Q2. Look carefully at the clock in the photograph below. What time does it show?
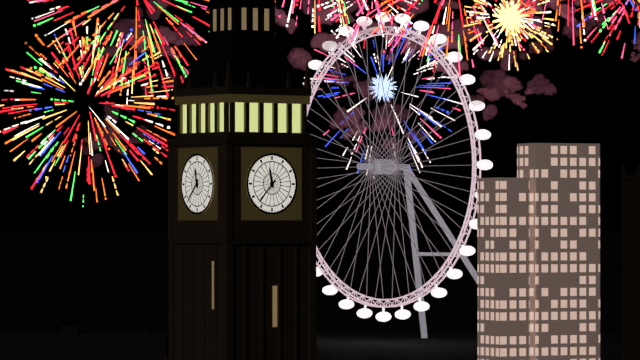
11:37
